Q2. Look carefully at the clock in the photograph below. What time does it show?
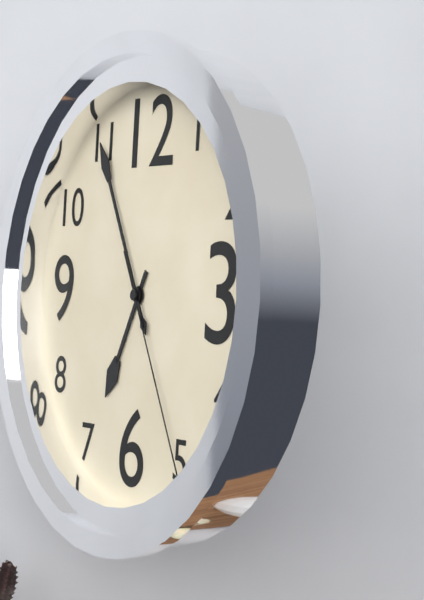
6:55:25
